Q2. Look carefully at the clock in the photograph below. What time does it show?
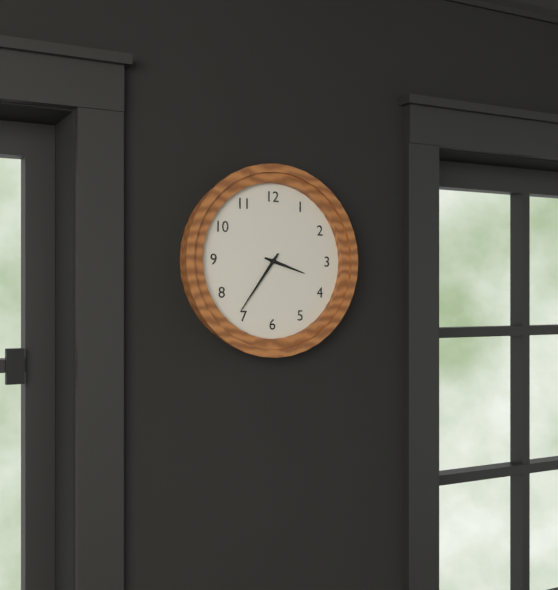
3:36
